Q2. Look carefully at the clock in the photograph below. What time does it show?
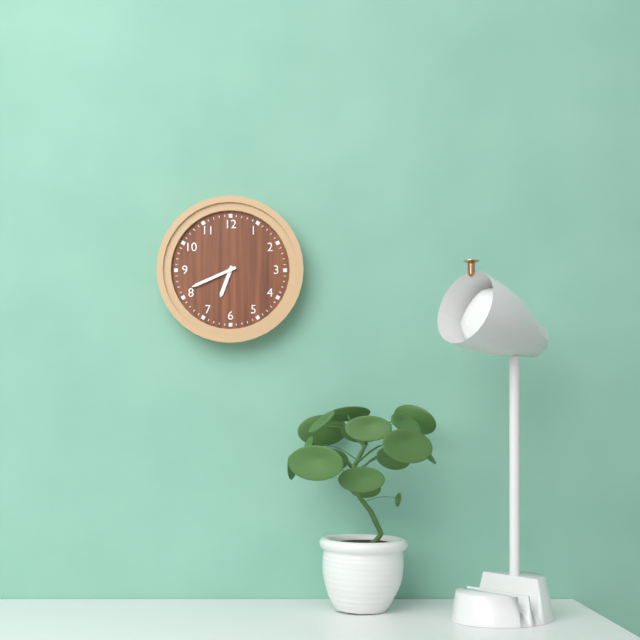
6:41
